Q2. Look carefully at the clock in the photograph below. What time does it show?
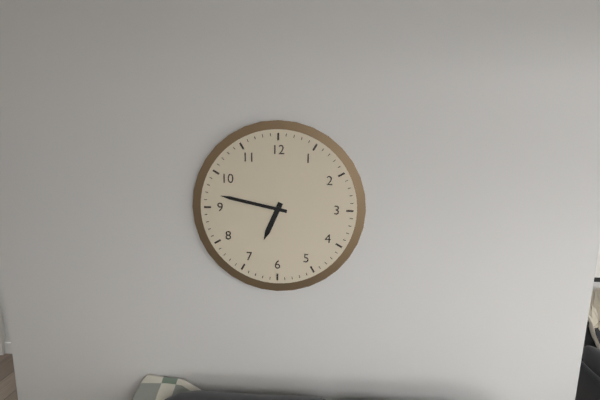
6:47
